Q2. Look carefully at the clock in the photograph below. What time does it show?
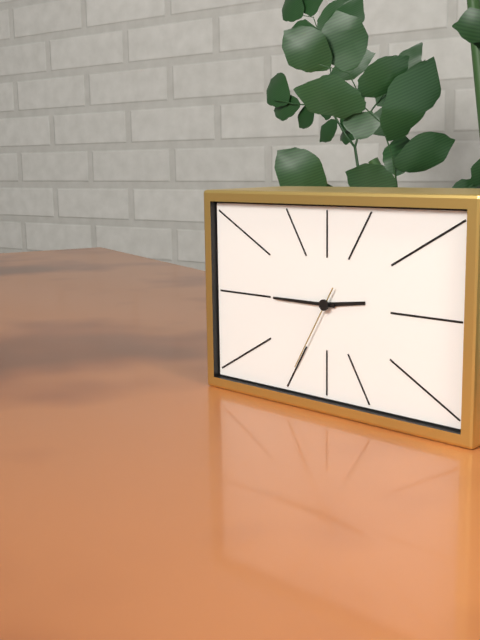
2:45:35
